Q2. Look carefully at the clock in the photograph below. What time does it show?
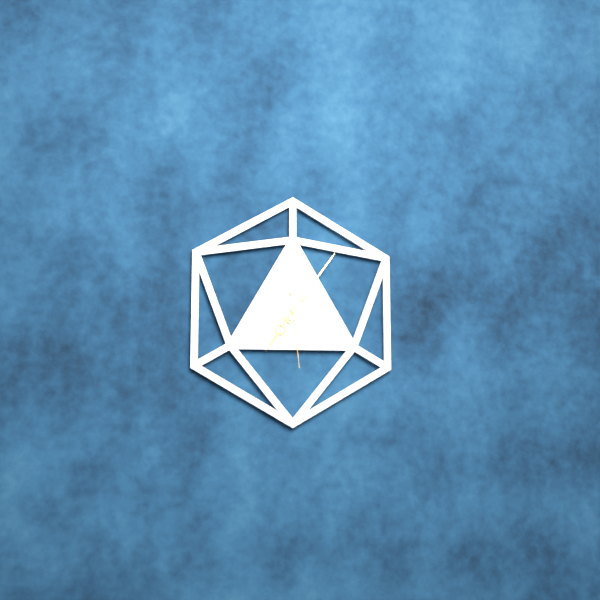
7:06:29
